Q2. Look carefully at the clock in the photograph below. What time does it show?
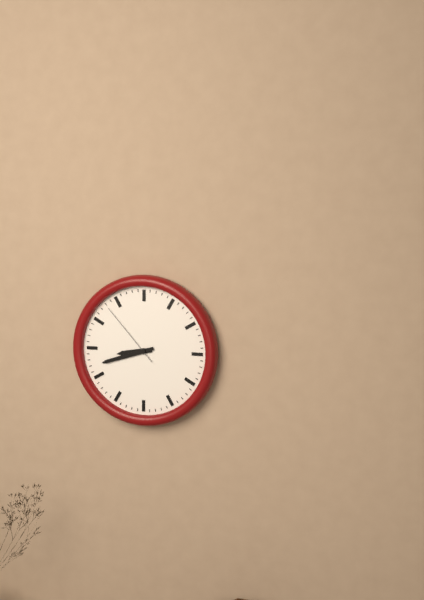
8:42:53
